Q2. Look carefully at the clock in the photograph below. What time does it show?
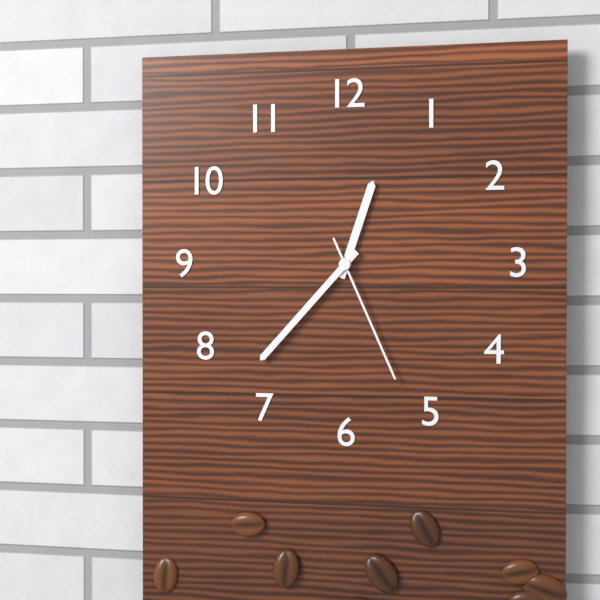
12:37:26
